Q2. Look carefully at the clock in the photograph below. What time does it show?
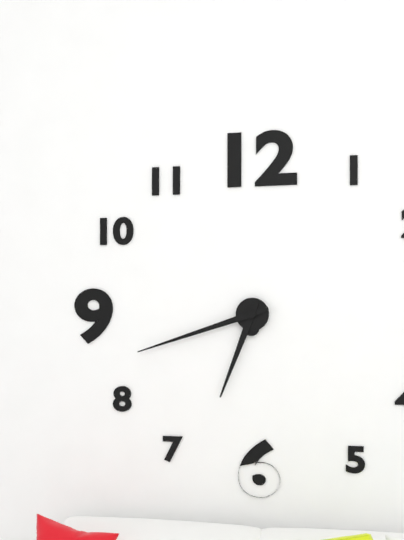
6:42
